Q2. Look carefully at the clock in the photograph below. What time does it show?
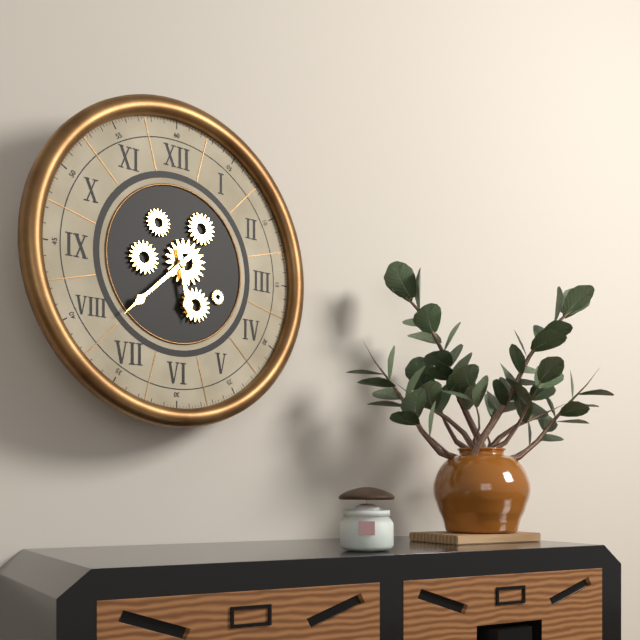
5:38
